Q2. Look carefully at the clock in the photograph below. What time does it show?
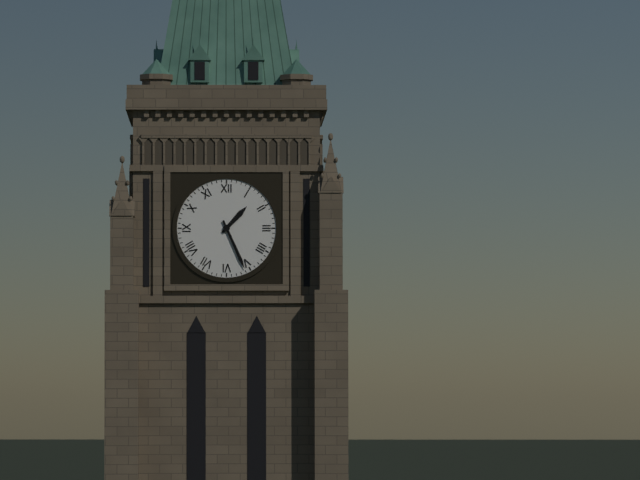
1:26
